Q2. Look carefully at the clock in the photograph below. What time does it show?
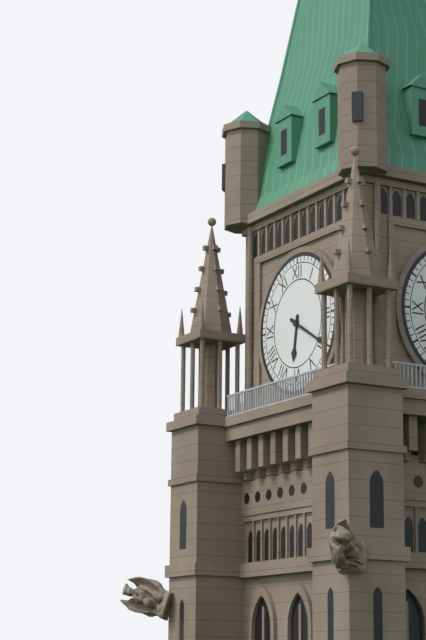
6:20
